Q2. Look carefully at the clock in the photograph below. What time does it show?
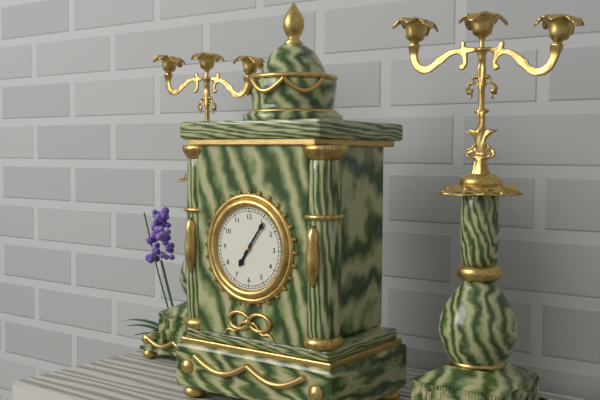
7:06
